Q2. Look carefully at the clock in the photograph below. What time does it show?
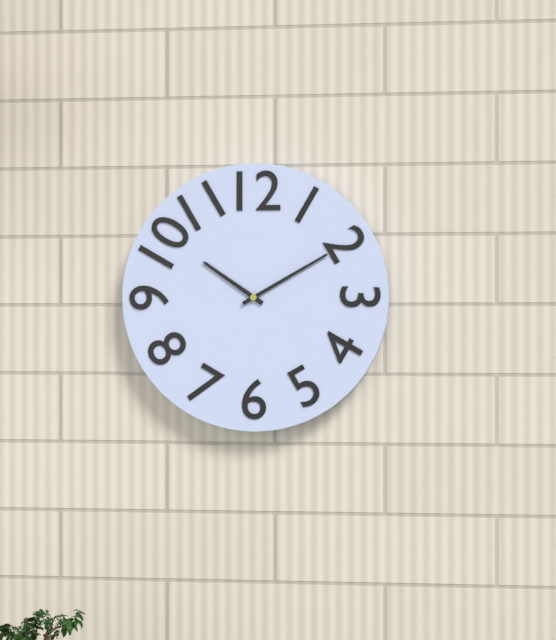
10:10
